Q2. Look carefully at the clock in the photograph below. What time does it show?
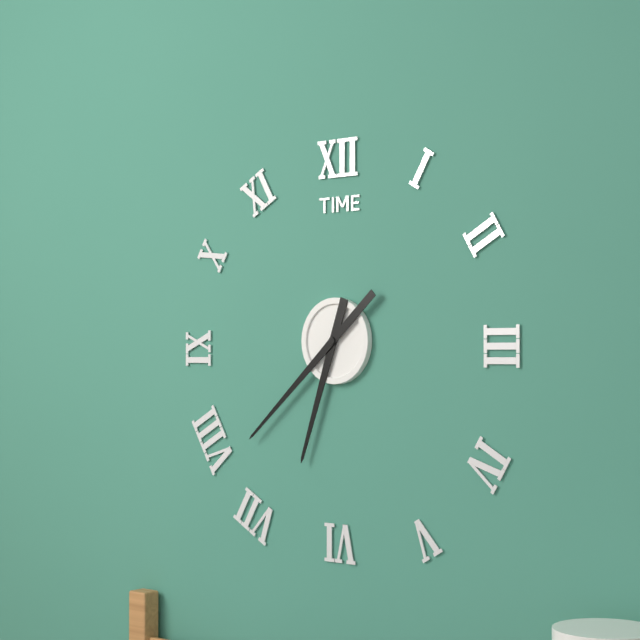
6:38
